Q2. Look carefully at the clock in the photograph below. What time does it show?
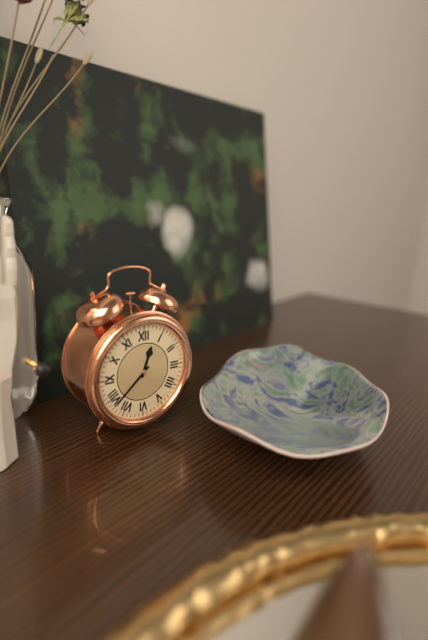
12:38
